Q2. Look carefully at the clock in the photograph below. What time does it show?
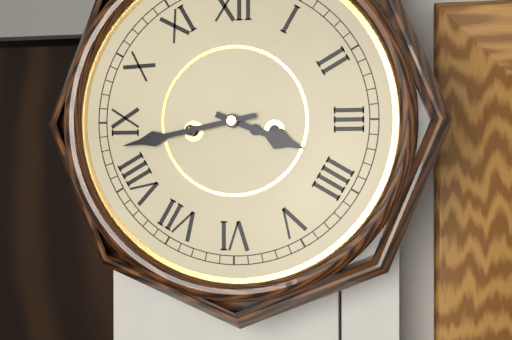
3:43
